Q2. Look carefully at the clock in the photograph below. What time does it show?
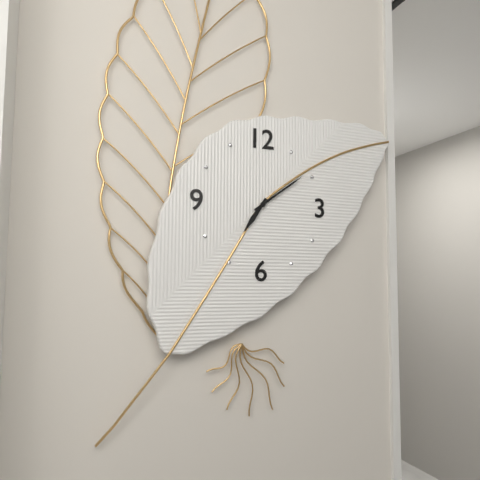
7:09
